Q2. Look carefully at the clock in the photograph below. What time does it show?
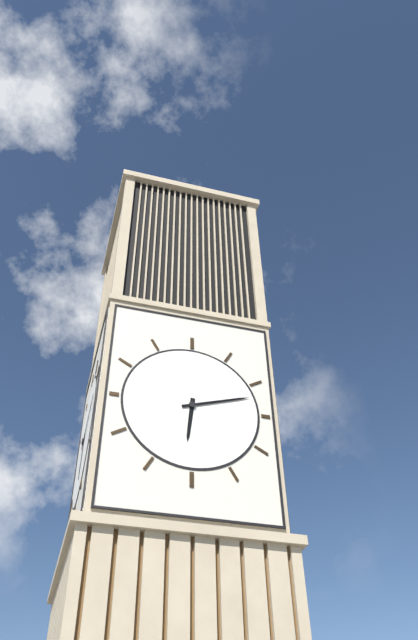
6:12
